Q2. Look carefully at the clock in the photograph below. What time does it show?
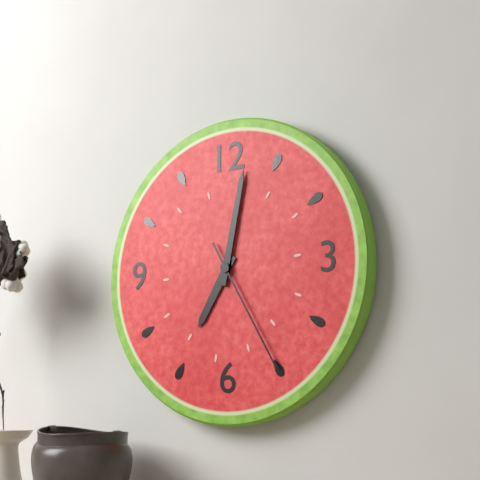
7:02:25
